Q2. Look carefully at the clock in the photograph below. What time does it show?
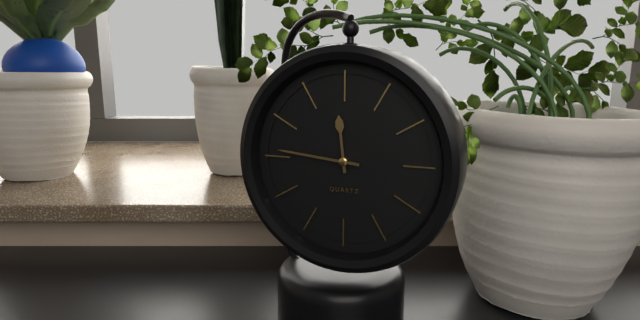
11:46
